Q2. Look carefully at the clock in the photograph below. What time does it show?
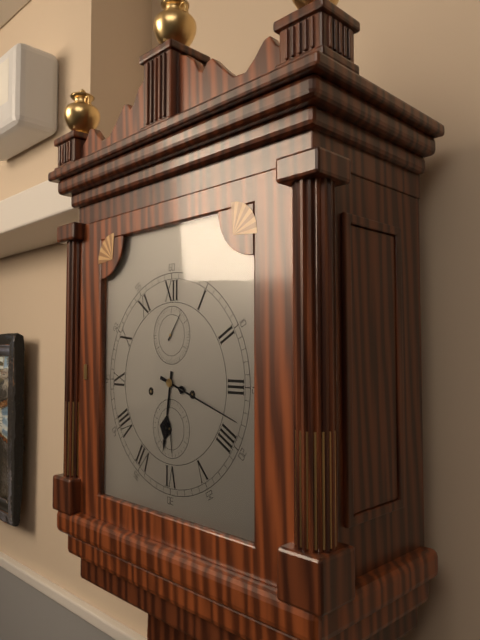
6:18
